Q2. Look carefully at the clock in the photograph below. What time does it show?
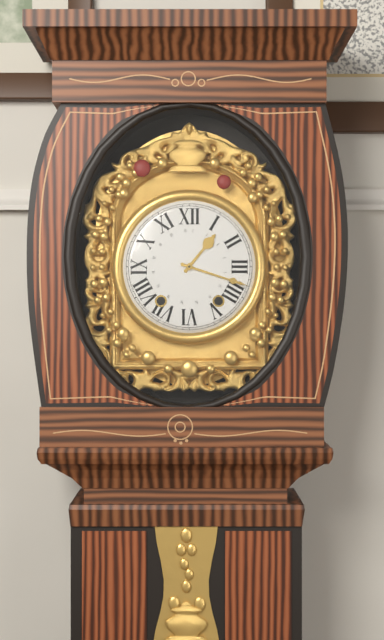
1:18
